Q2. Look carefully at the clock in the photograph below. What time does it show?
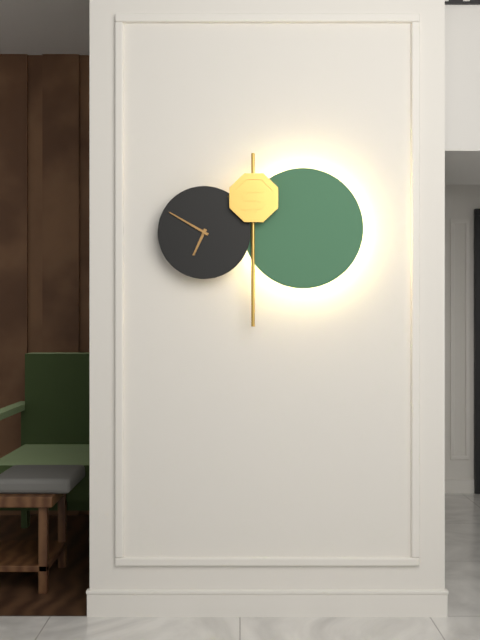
6:50
